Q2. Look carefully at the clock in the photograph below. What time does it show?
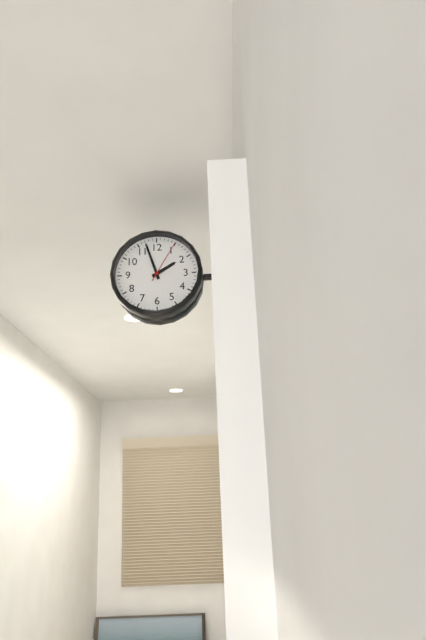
1:57
